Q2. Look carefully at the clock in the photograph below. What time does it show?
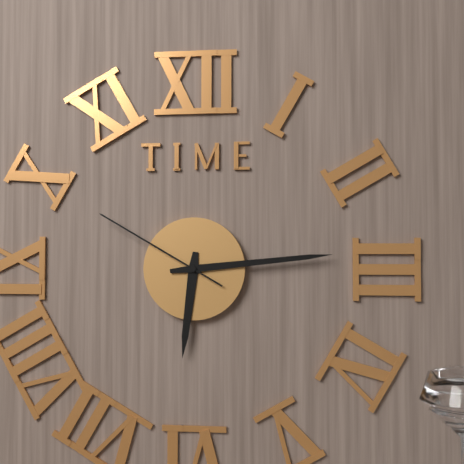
6:14:50
